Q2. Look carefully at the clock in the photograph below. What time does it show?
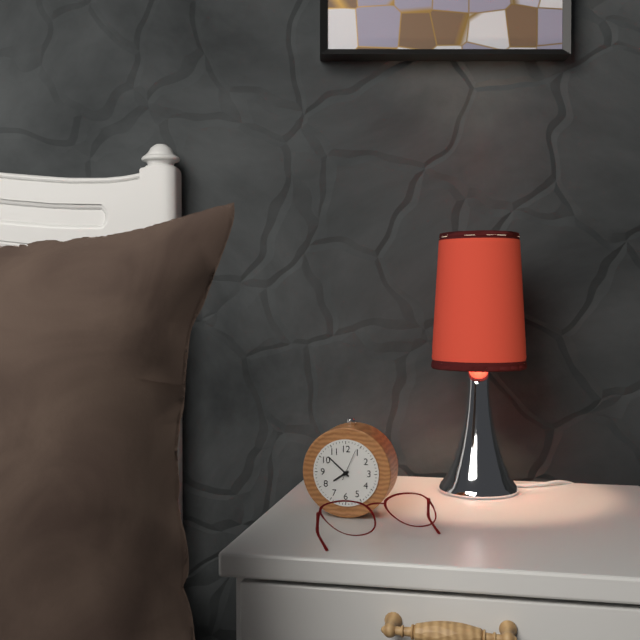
7:52
